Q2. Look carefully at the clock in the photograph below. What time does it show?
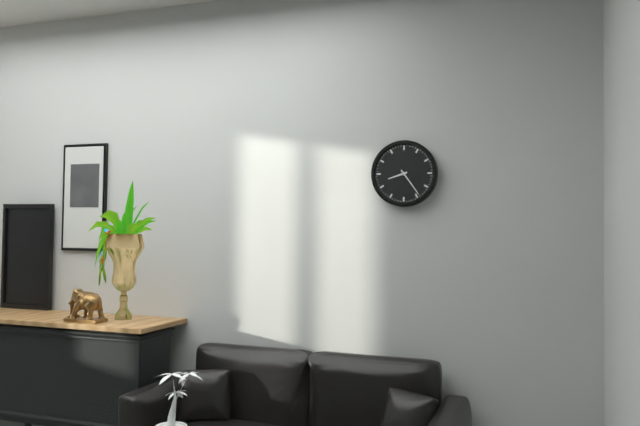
8:24
